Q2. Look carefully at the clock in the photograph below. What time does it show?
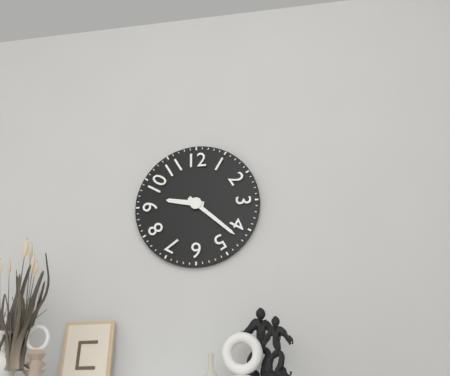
9:22
